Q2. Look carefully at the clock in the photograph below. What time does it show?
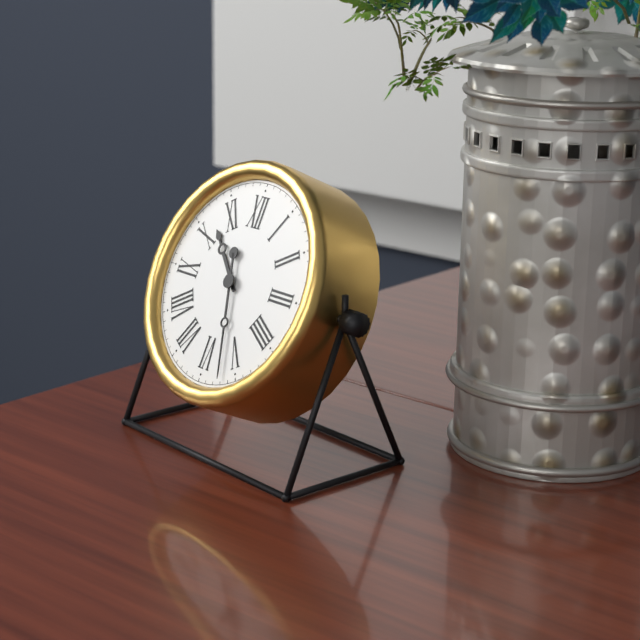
10:27
